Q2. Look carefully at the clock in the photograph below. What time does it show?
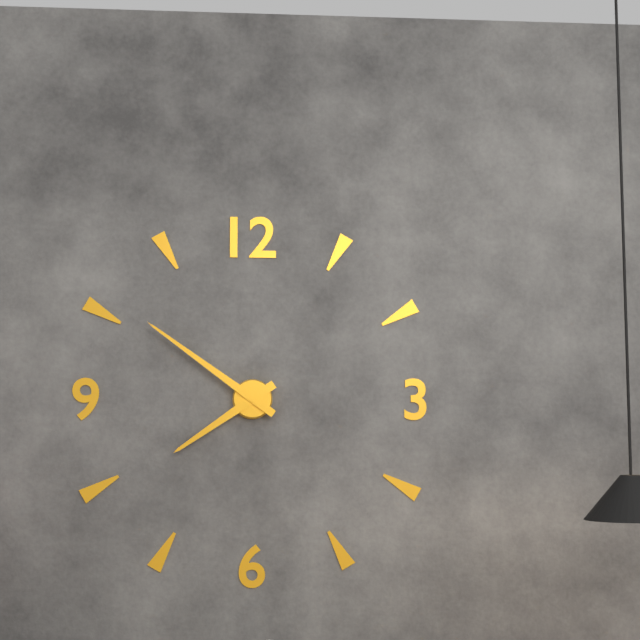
7:51
